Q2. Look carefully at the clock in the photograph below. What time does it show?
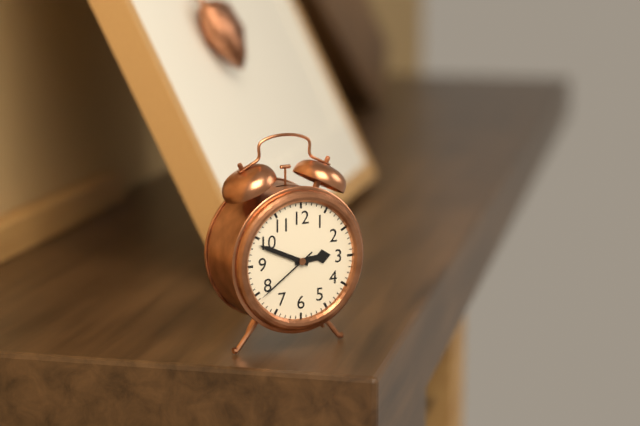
2:49:39
